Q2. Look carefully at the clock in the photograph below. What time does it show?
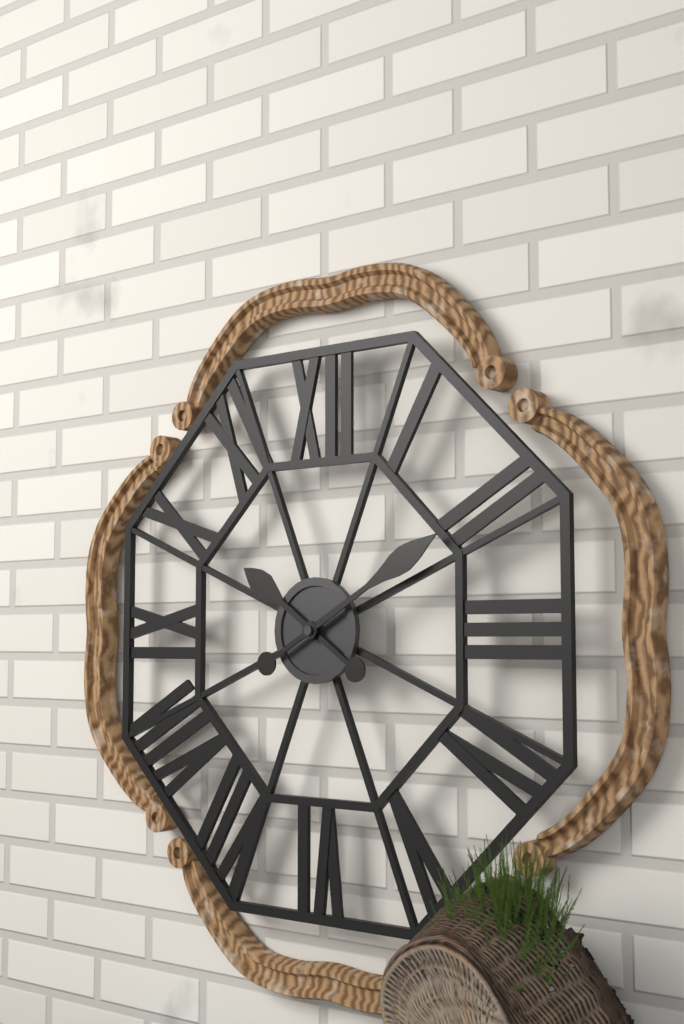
10:10
